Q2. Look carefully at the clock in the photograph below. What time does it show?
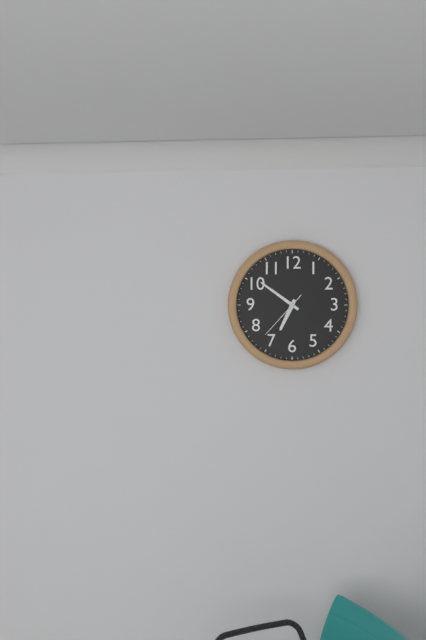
6:51:37
